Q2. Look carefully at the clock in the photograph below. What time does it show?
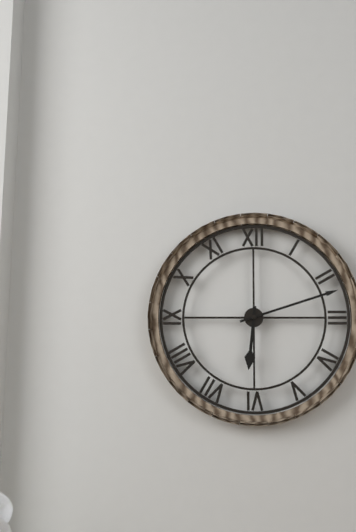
6:12
